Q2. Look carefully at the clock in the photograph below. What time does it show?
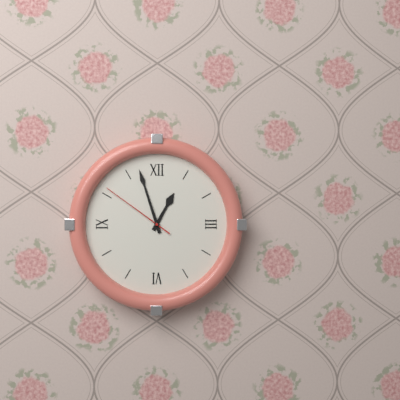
12:57:51
